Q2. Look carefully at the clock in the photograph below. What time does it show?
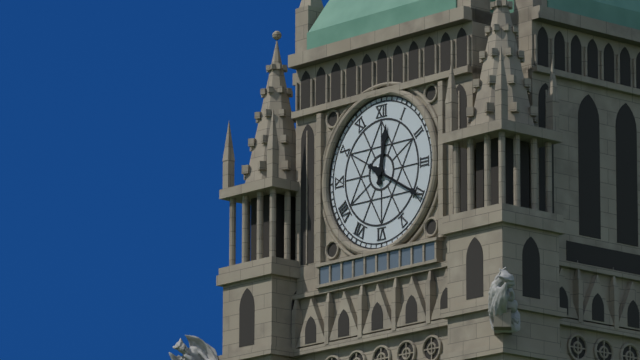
12:20
